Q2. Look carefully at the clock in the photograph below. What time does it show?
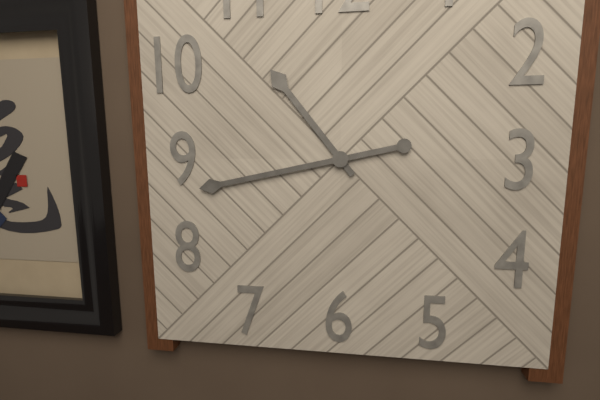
10:43
